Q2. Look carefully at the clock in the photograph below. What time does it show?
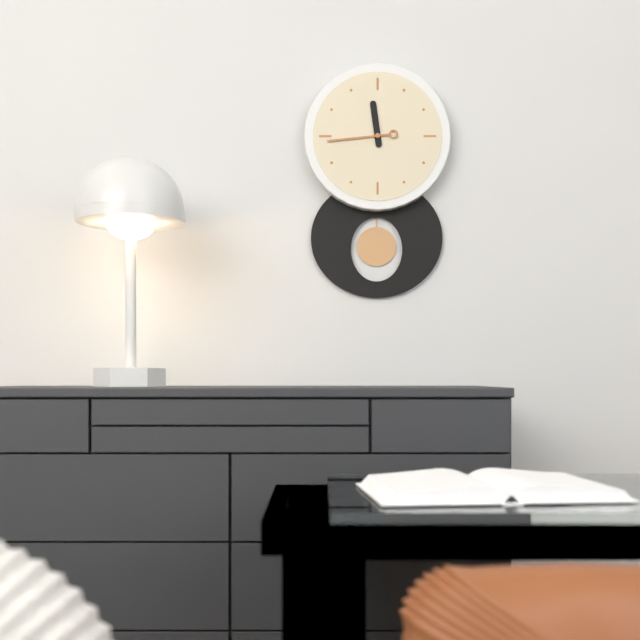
11:44
